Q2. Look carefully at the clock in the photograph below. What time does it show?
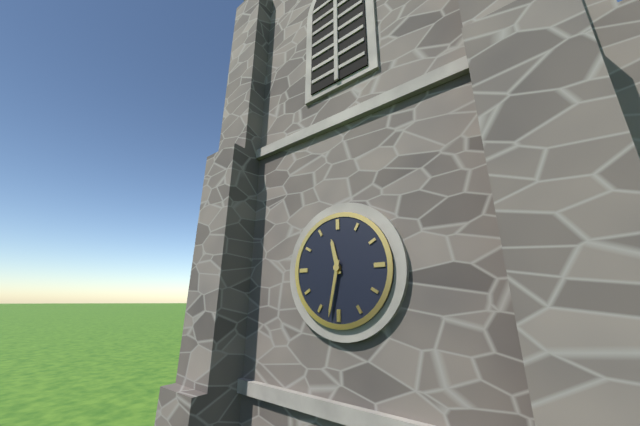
11:32
